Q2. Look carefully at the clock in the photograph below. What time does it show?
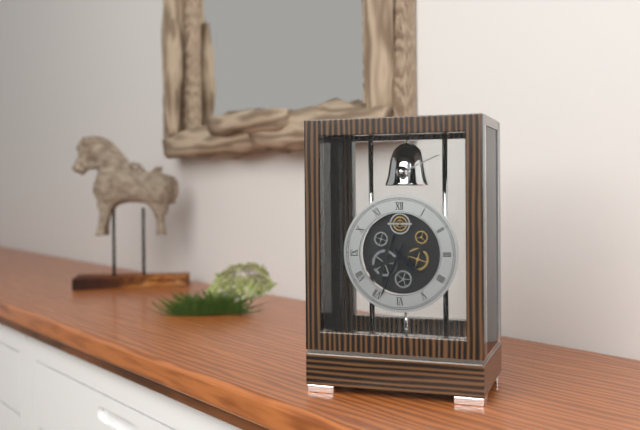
4:34
